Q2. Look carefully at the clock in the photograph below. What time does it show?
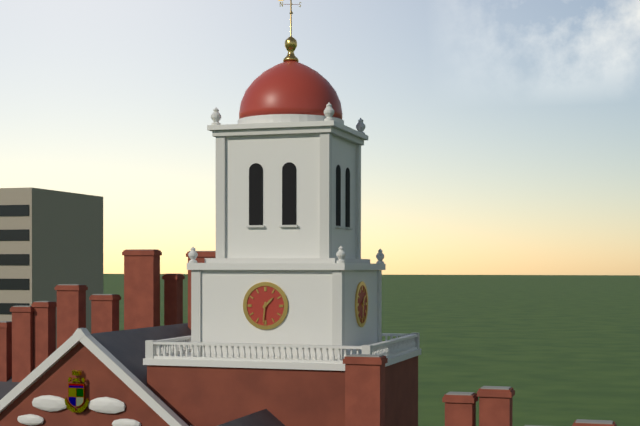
1:31
